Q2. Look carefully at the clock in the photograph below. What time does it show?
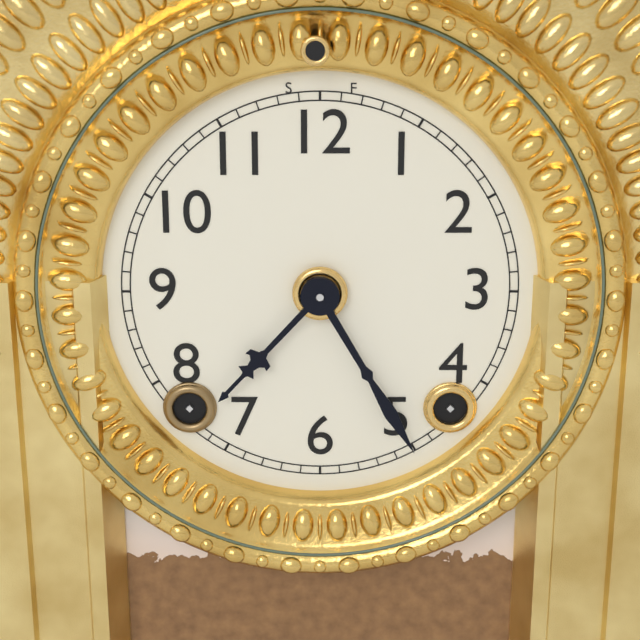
7:25
